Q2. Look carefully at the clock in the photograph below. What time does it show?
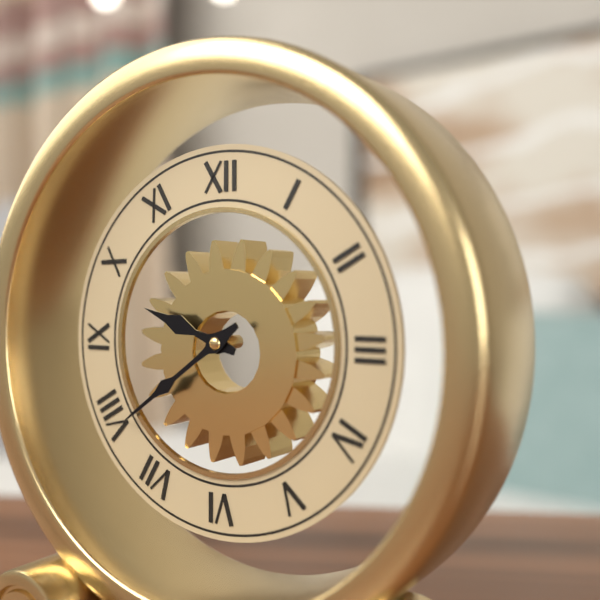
9:39
